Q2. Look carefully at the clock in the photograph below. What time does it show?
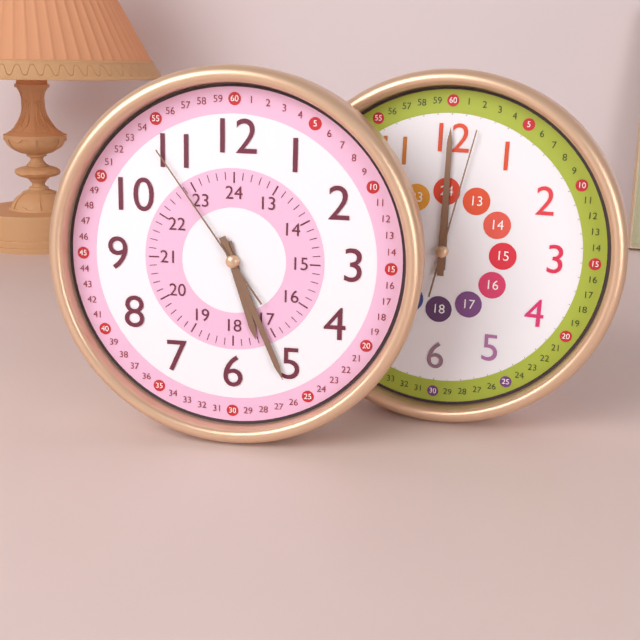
5:26:54
